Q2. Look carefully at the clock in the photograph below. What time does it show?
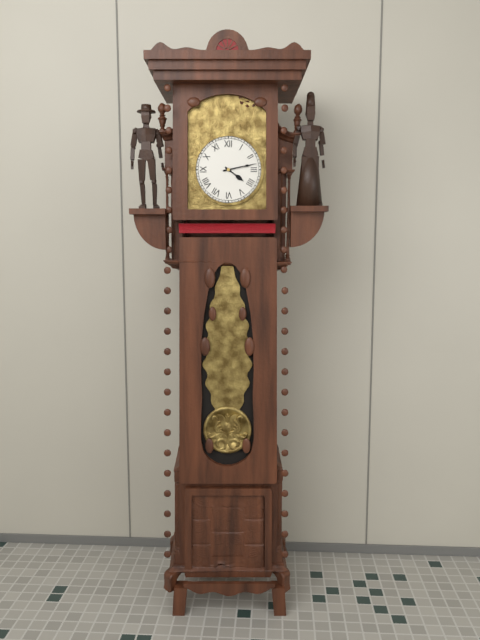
4:13
